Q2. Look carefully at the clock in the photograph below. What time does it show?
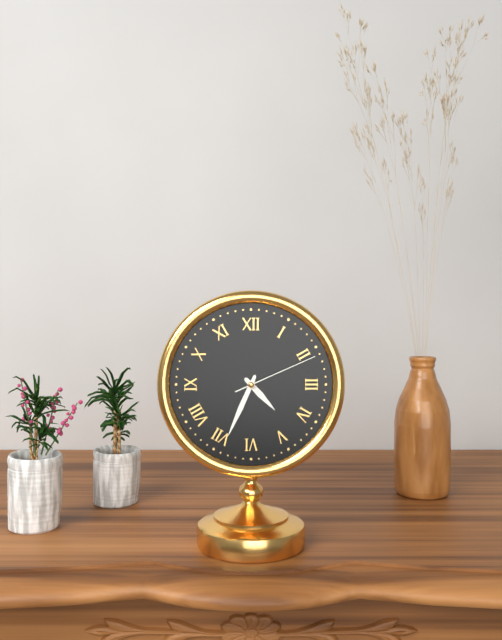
4:34:11
